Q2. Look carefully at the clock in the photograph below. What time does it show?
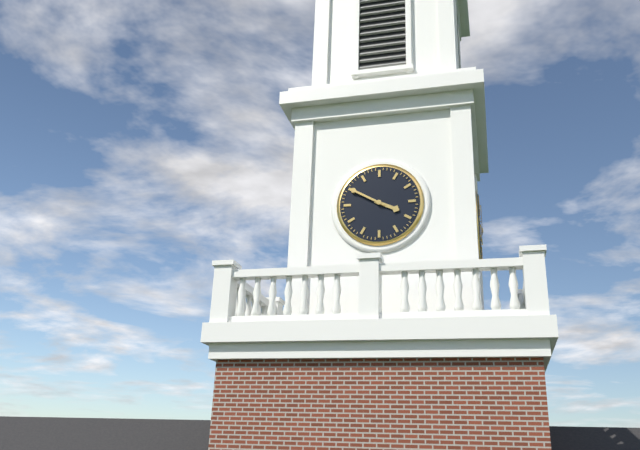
3:50
